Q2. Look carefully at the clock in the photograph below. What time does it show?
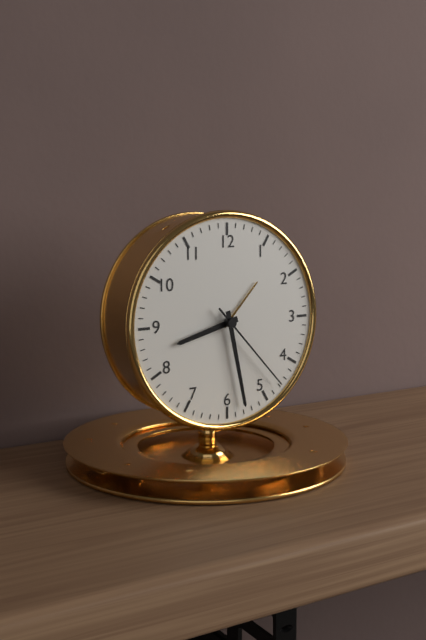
8:28:23
